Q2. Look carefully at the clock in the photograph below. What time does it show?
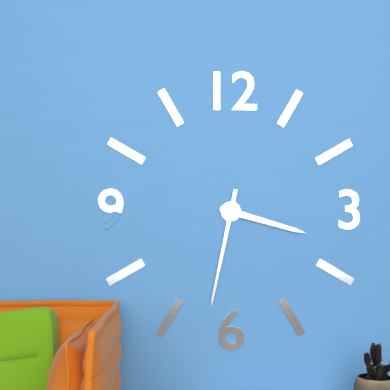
3:32
